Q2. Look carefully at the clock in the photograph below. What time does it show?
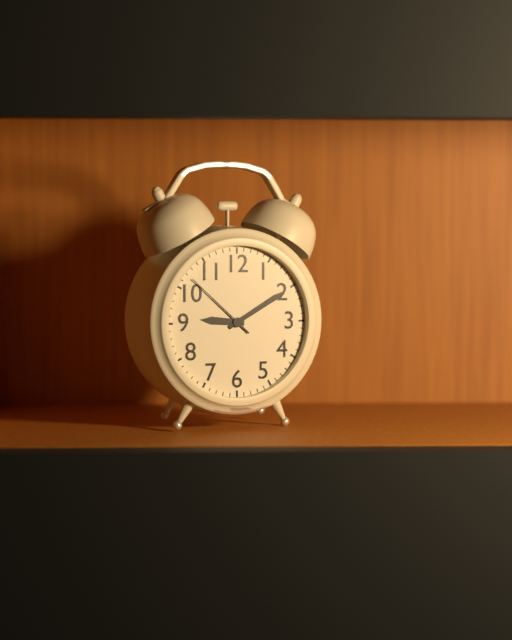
9:10:52
